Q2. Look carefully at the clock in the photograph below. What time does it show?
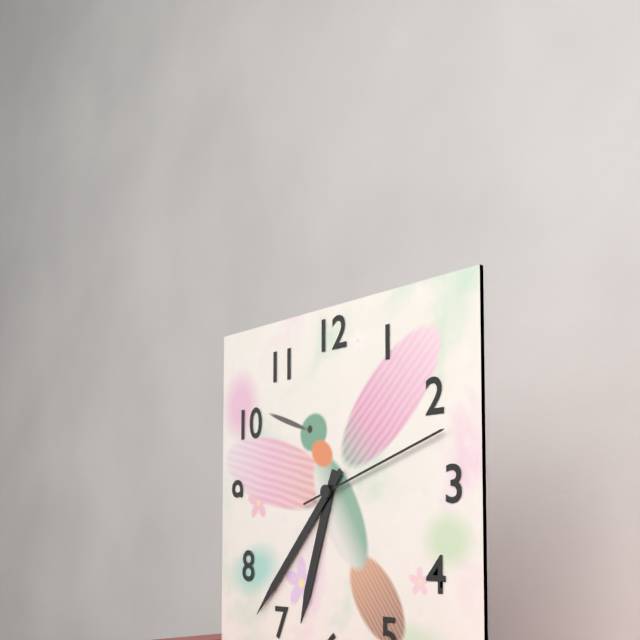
6:37:12
